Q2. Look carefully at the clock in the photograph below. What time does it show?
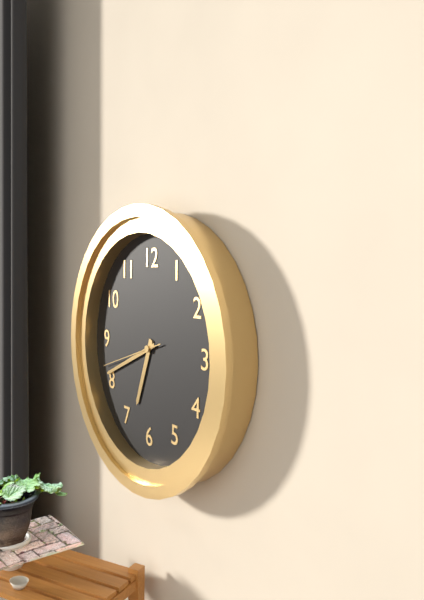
6:41:42
